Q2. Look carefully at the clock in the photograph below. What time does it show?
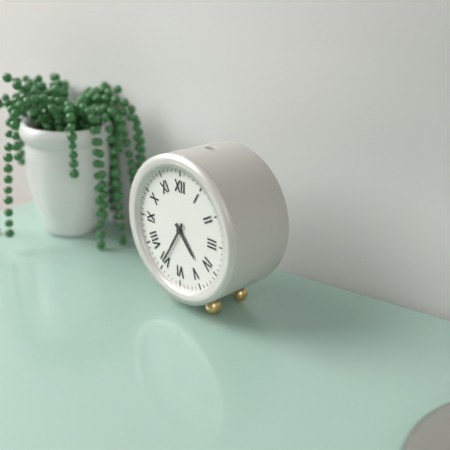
4:35
